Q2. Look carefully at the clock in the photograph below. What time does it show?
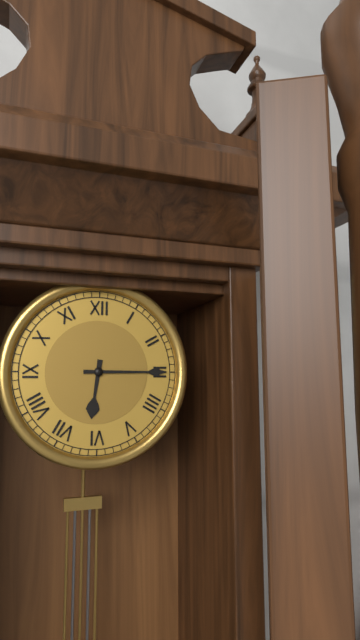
6:15
